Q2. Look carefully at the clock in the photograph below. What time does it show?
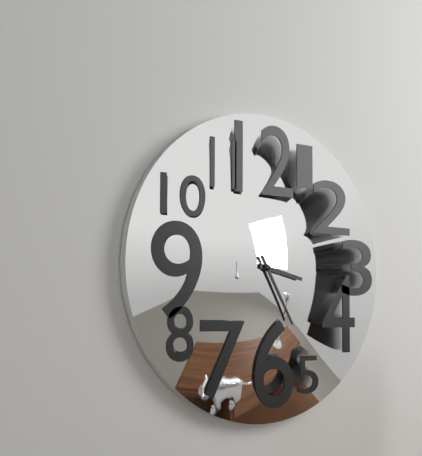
3:25
